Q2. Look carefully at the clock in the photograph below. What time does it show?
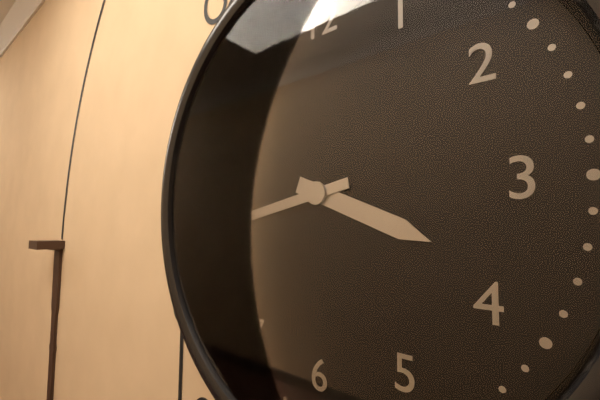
3:43
